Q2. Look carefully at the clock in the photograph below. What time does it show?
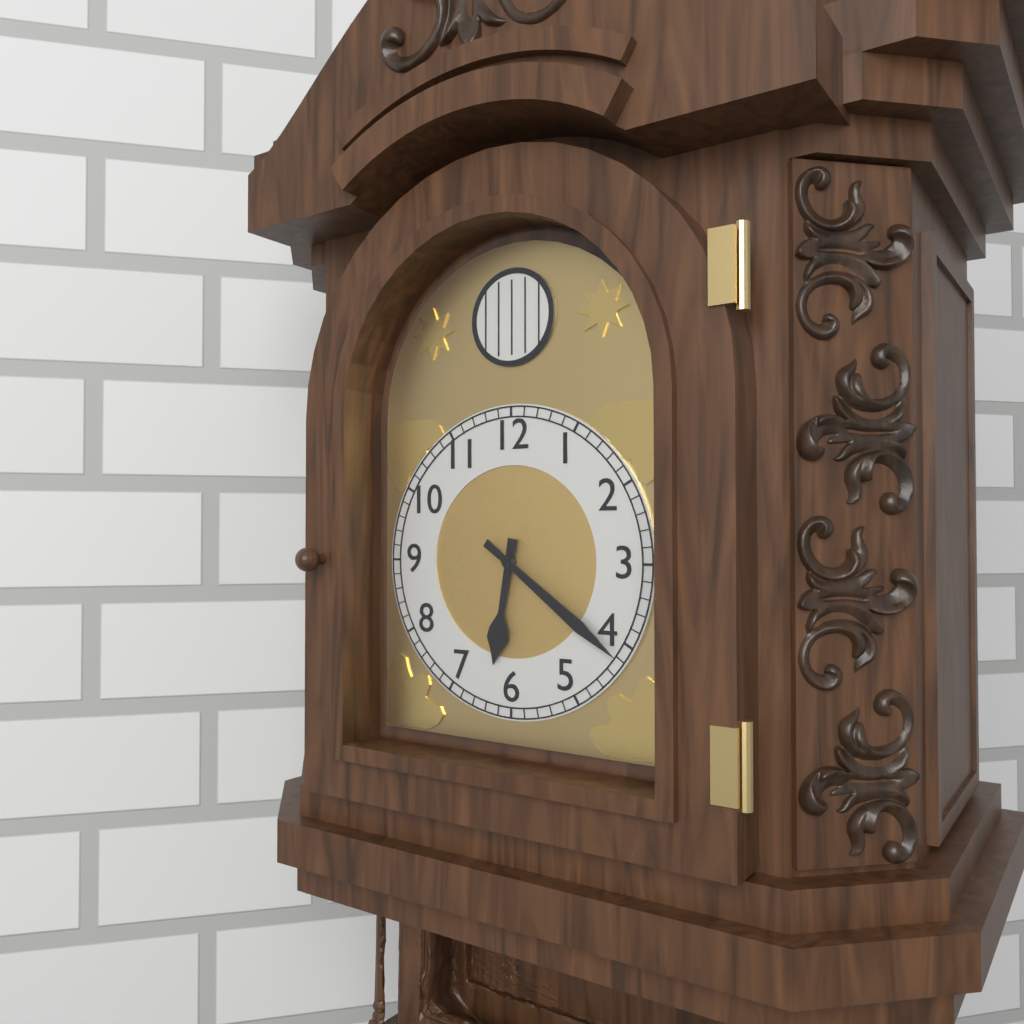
6:21
